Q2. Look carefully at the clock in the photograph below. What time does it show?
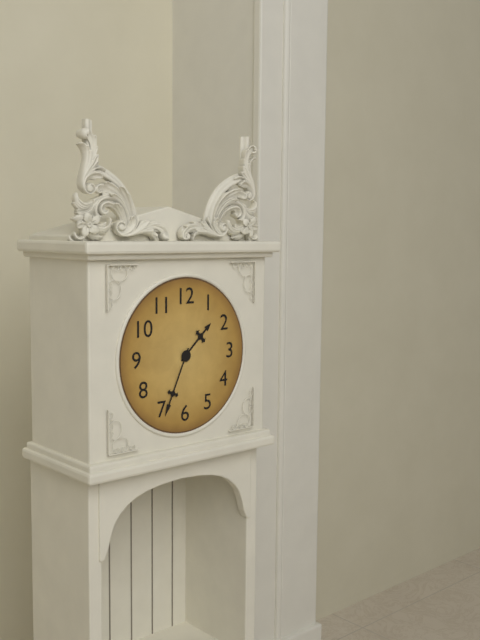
1:34
